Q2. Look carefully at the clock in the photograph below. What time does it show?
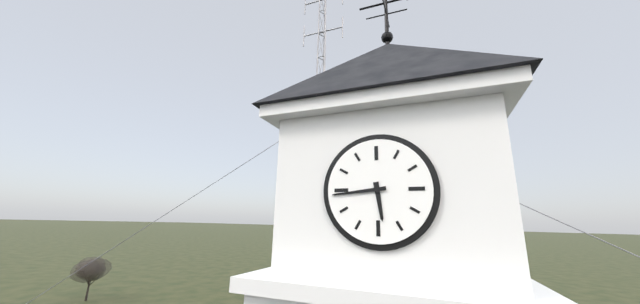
5:44
